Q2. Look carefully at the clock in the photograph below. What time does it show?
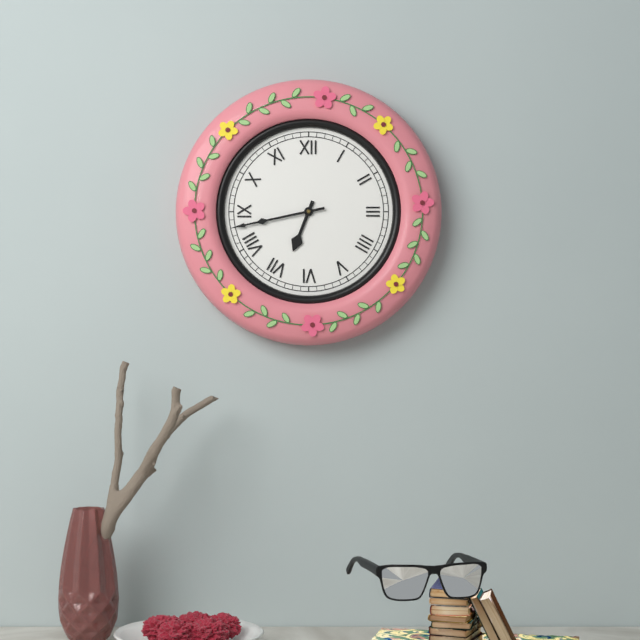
6:43
